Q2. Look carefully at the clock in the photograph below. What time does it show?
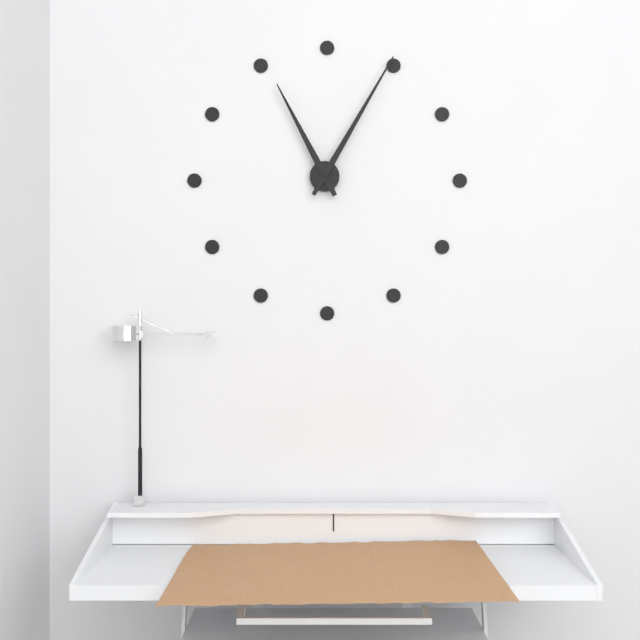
11:05
